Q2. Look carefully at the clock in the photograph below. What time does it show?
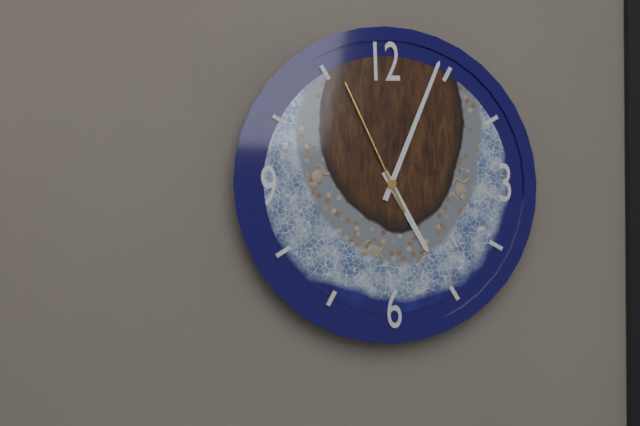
5:04:56
